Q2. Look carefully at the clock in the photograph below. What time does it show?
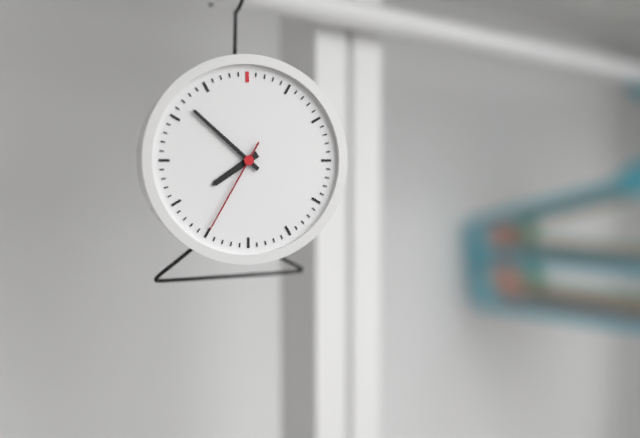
7:52:35
